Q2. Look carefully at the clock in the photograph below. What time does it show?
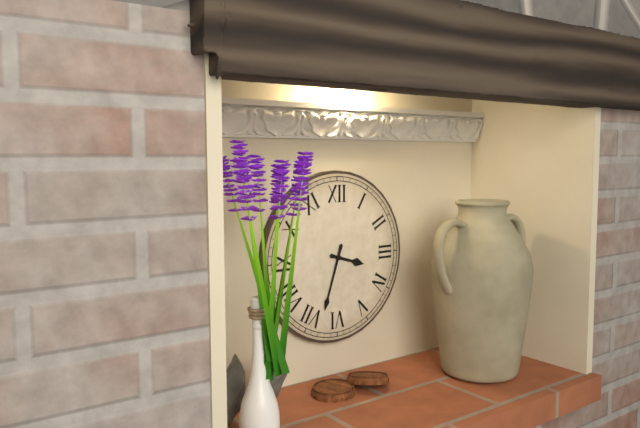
3:33
